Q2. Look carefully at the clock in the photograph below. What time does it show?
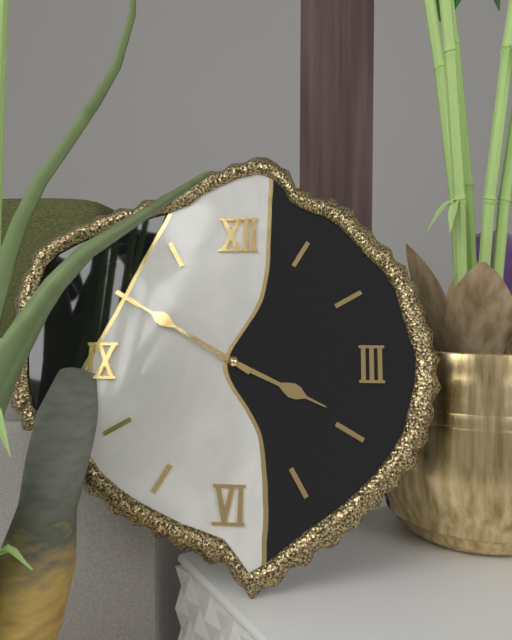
3:50
